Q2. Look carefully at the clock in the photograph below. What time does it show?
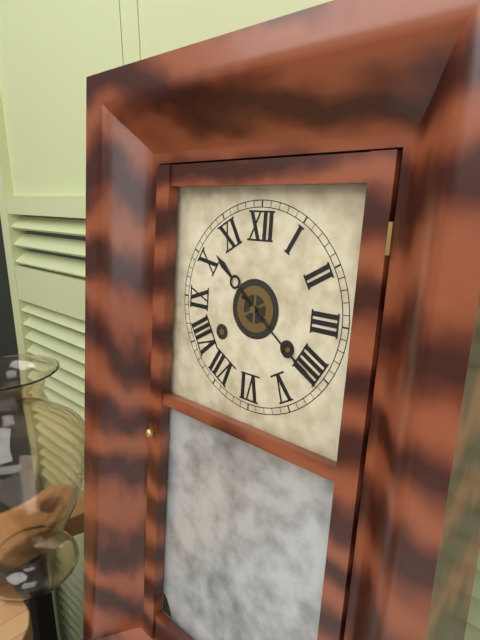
10:21
